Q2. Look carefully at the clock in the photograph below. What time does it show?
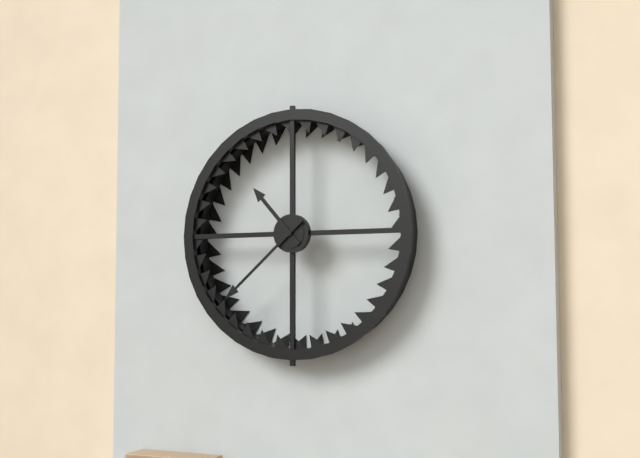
10:38
